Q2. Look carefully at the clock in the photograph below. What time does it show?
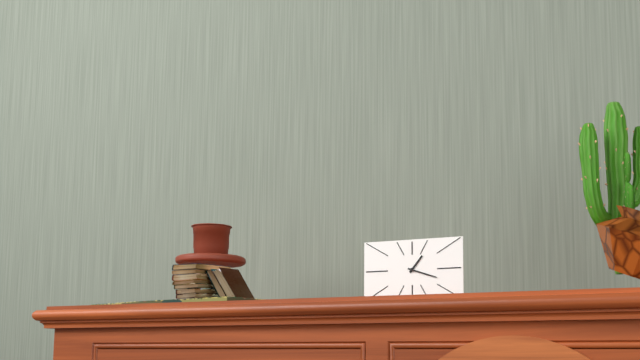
1:18
